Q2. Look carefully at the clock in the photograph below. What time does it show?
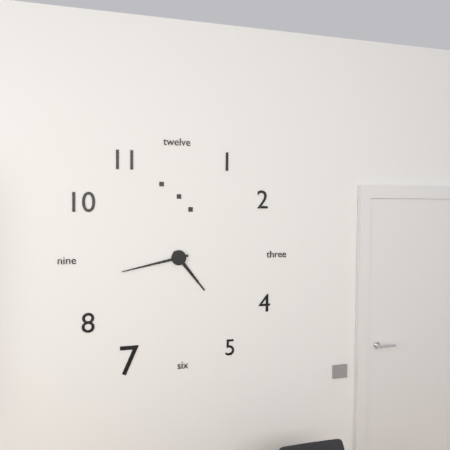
4:43
